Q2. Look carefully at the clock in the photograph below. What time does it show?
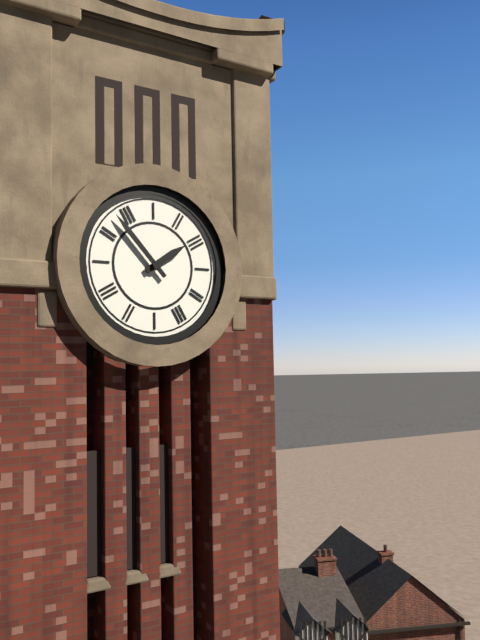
1:53
